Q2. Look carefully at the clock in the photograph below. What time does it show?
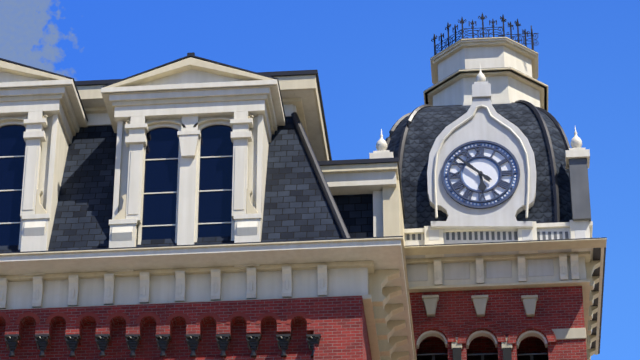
5:52
